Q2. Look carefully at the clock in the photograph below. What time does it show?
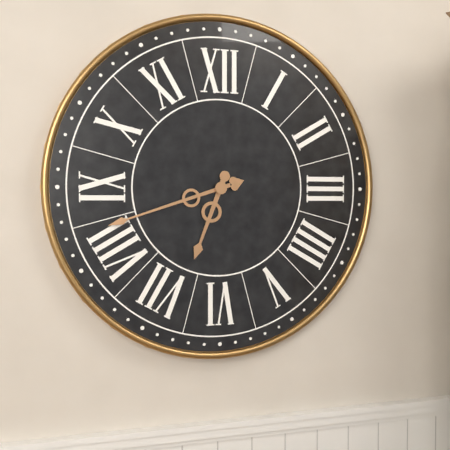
6:42
